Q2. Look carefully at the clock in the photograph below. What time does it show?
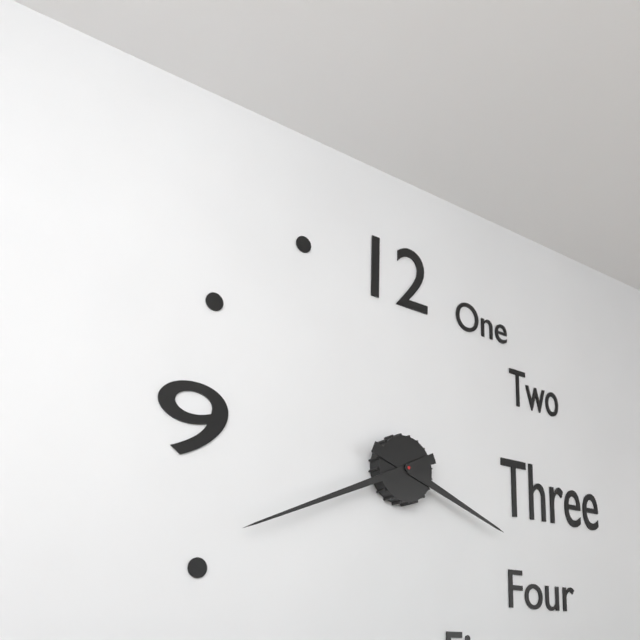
3:41
